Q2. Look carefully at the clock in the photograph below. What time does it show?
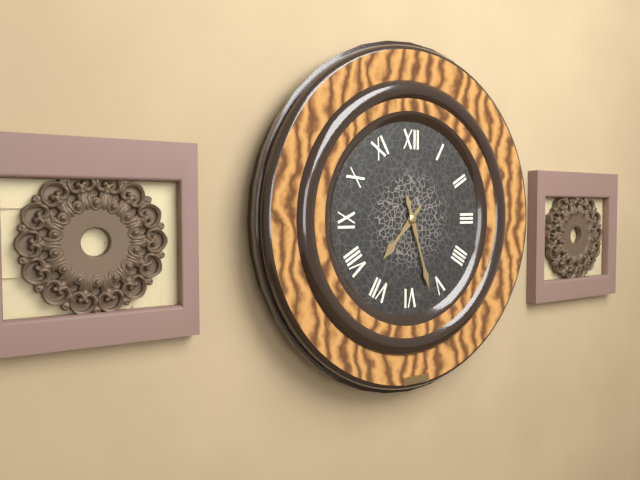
7:27
